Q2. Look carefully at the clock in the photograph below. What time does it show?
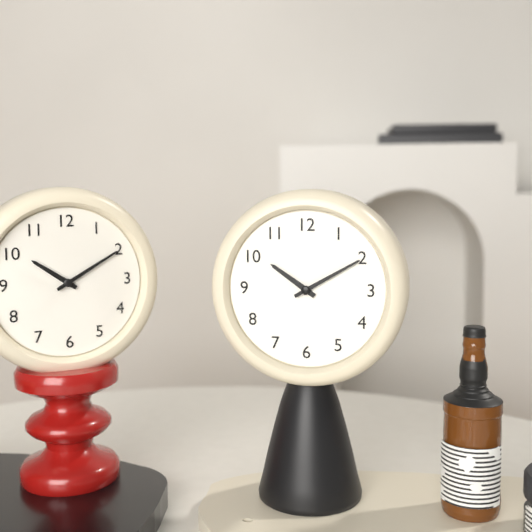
10:10
